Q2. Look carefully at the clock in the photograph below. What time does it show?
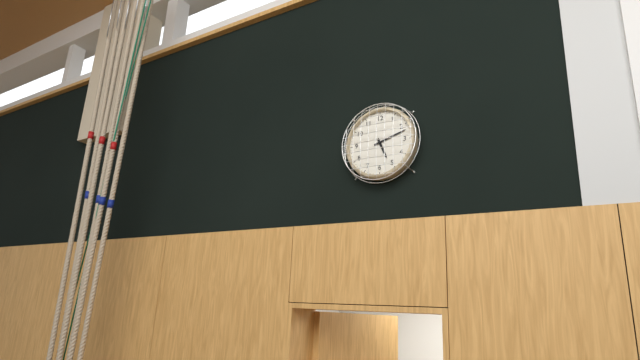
5:12
